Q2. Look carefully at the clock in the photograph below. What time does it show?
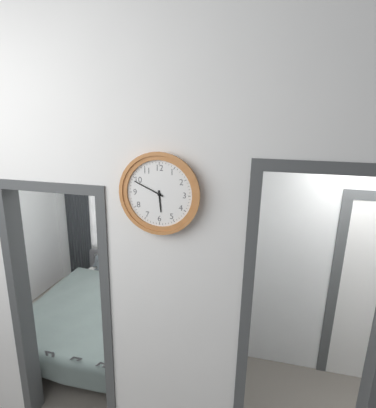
5:49
